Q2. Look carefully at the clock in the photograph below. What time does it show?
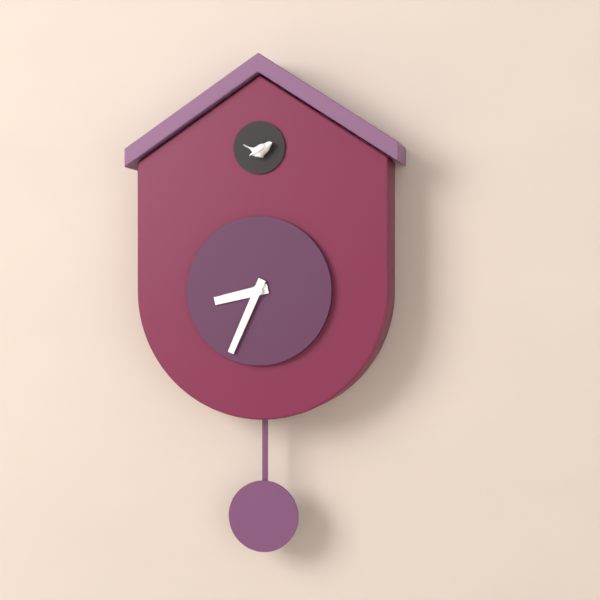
8:34
